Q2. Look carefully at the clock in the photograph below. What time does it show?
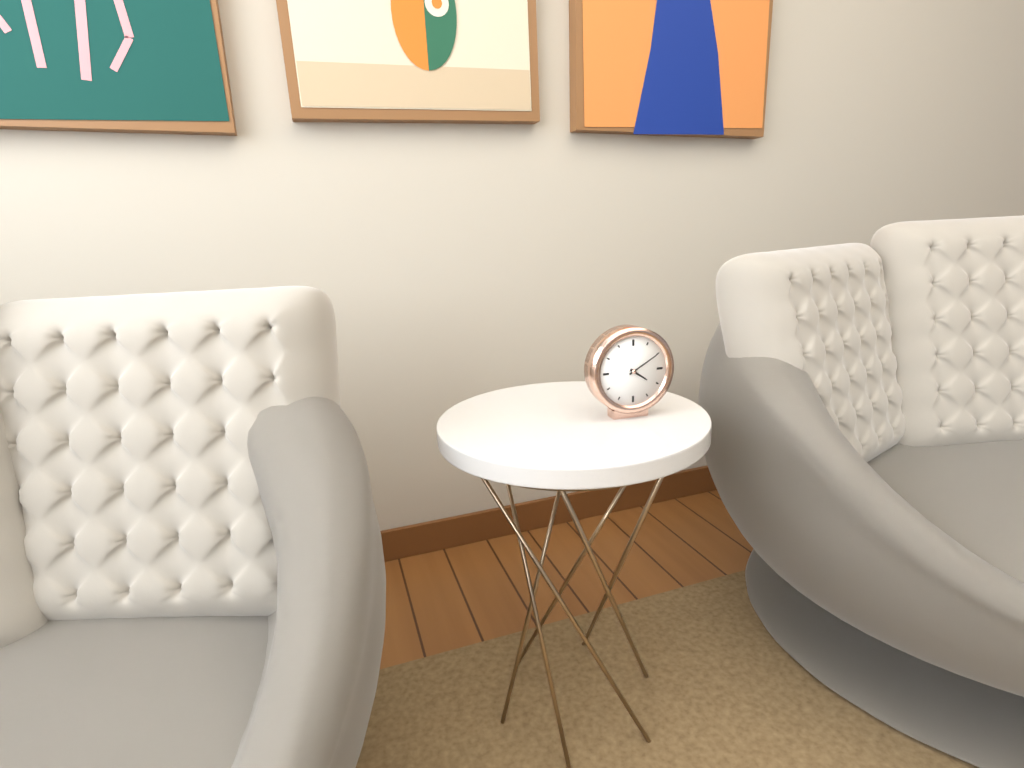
4:10
